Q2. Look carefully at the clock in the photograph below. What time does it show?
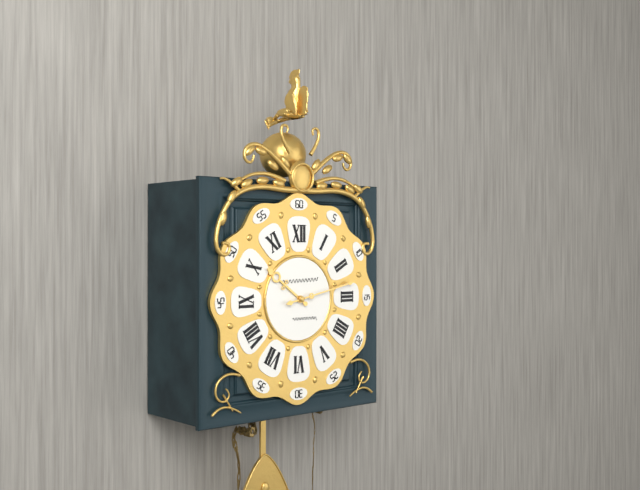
10:13
